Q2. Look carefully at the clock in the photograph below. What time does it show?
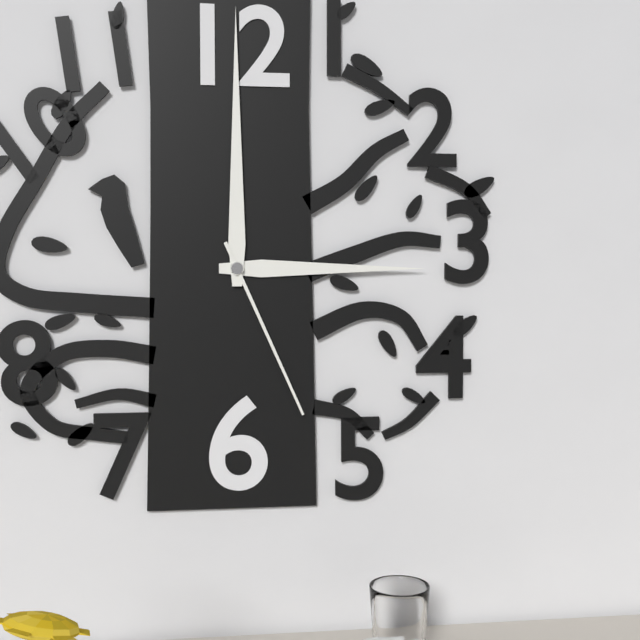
3:00:26
